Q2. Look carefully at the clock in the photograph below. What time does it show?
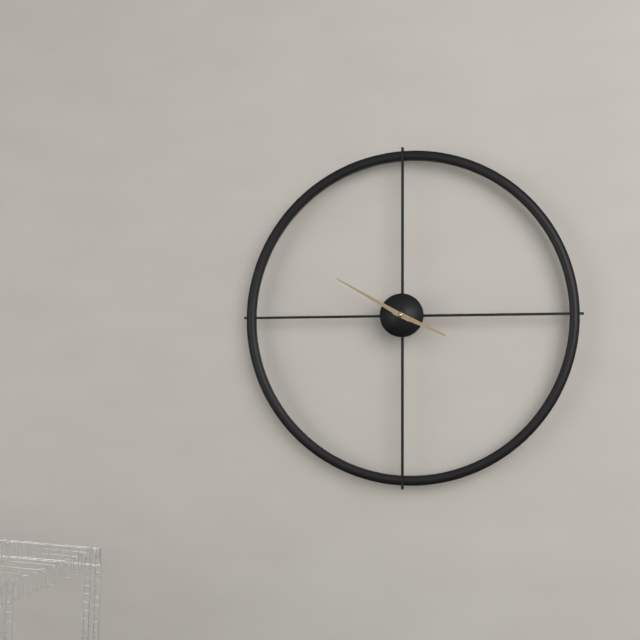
3:50
